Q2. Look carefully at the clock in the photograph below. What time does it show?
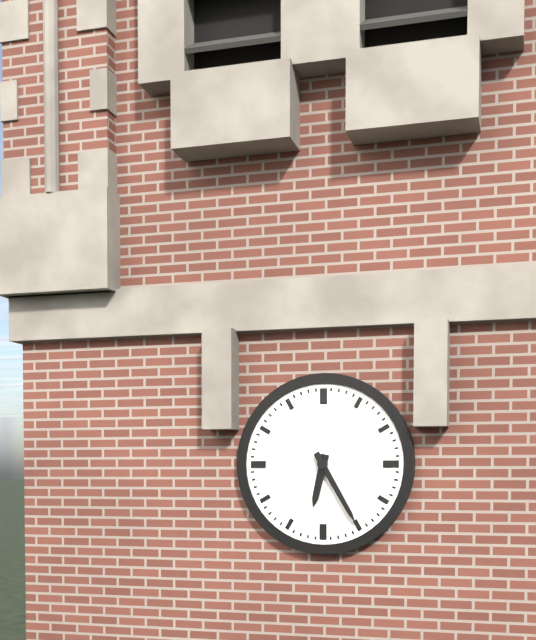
6:25
